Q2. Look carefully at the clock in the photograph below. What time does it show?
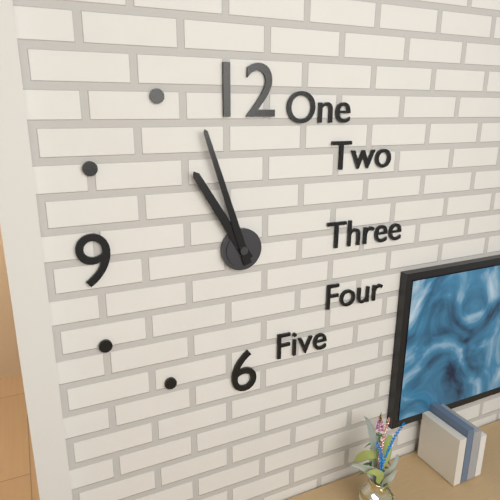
10:57
